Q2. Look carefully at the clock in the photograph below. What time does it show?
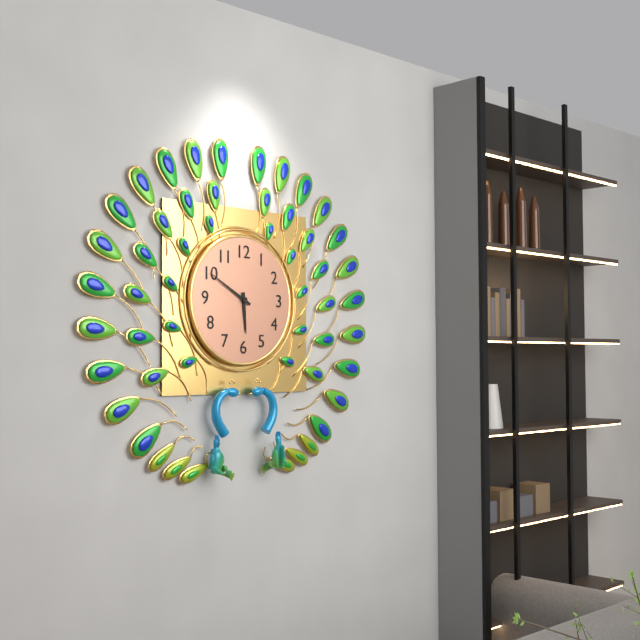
5:50
